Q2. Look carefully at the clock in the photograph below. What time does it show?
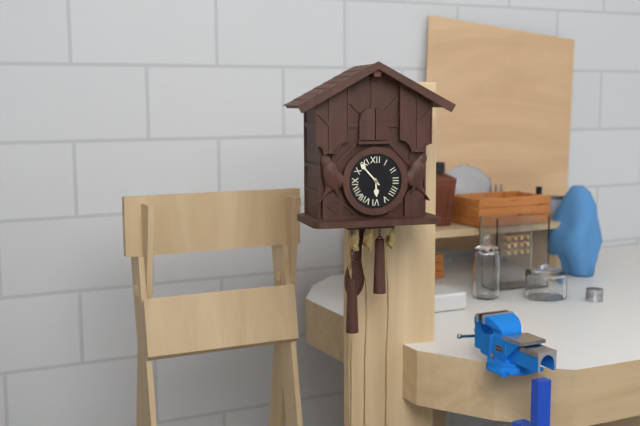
5:53
